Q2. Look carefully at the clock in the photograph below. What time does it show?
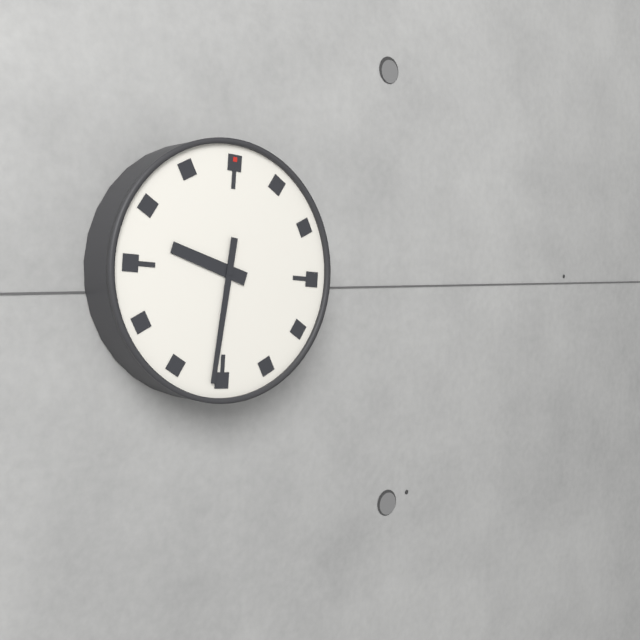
9:31
